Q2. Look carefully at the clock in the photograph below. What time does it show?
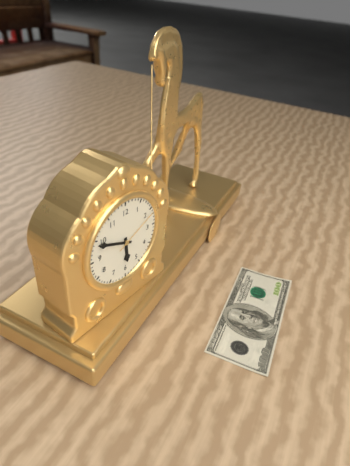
5:49
